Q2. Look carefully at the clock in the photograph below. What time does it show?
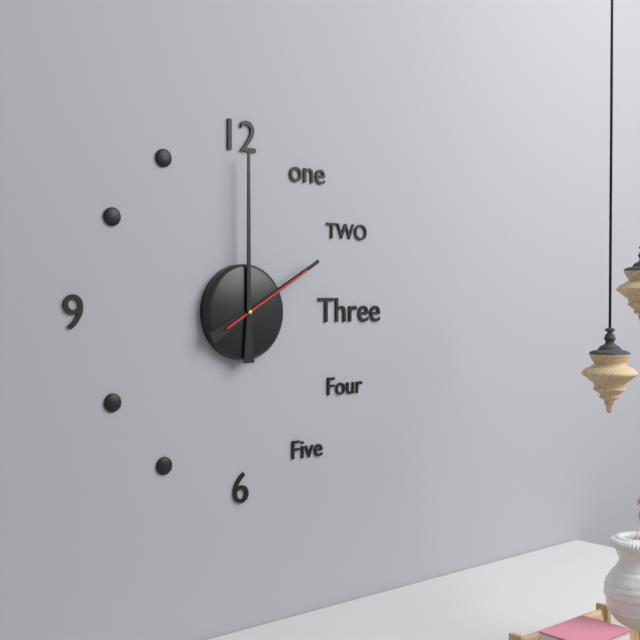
2:00:10
